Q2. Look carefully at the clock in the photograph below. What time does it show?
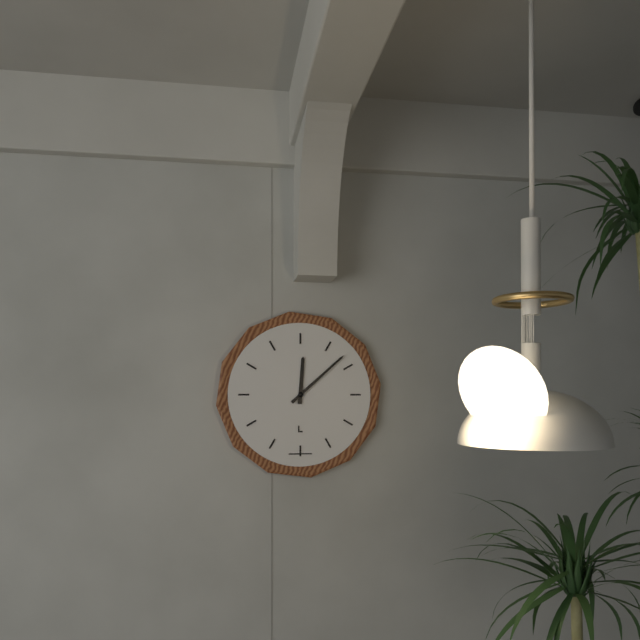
12:08
